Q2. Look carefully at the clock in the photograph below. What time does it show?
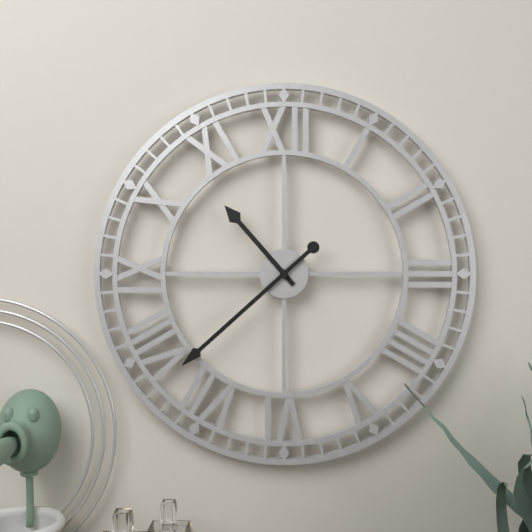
10:38
